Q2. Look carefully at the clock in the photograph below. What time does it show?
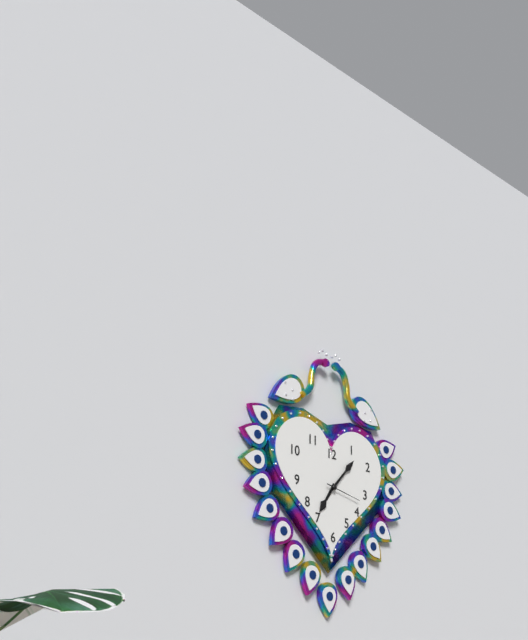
7:07
